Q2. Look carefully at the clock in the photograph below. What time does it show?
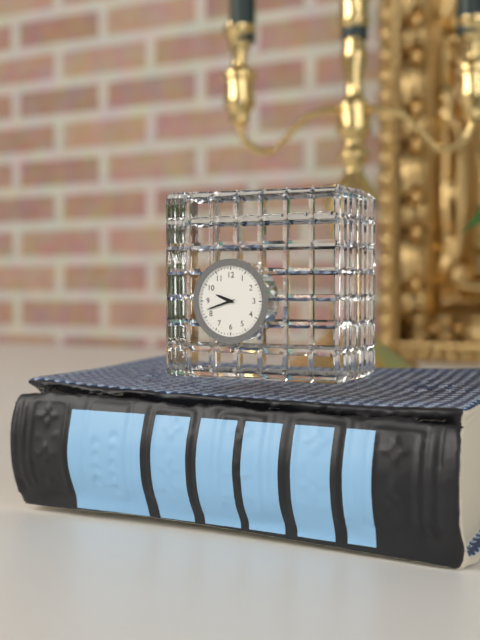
9:42
